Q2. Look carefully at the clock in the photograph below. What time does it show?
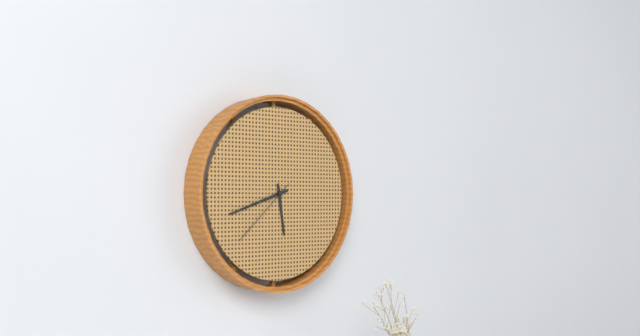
5:42:38
